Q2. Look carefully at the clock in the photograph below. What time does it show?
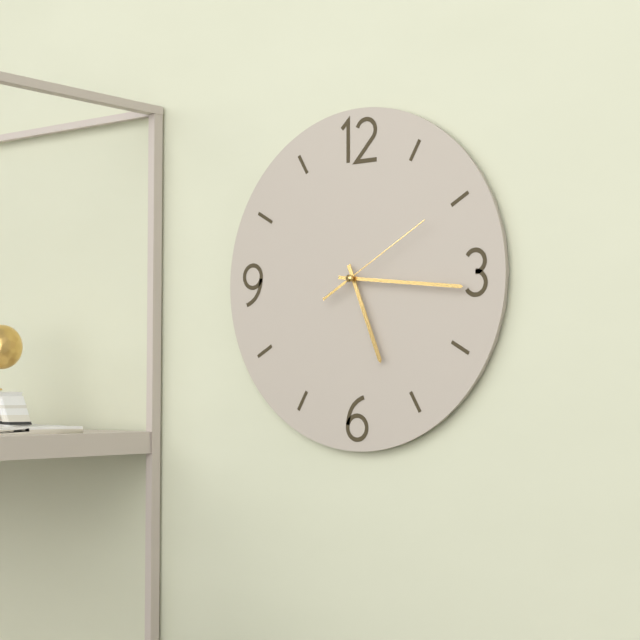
5:16:10
